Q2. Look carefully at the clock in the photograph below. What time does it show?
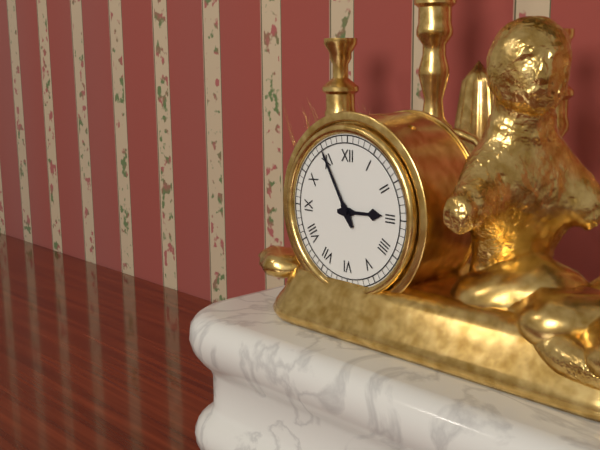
2:55
